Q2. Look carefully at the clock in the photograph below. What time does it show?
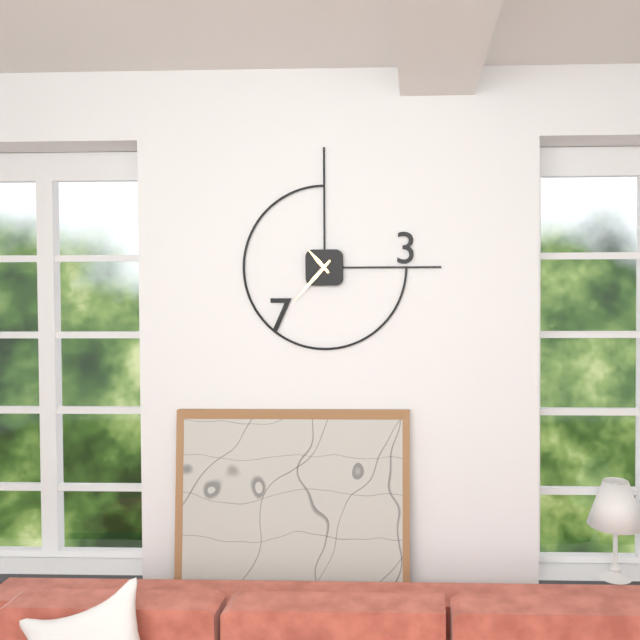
10:37
